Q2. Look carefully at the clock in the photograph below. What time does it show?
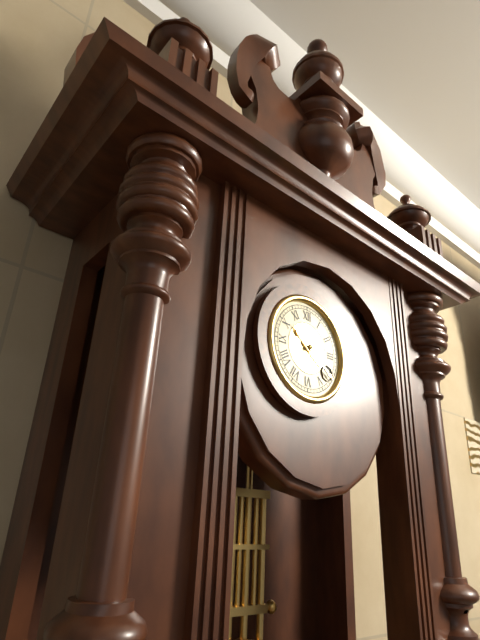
10:21
